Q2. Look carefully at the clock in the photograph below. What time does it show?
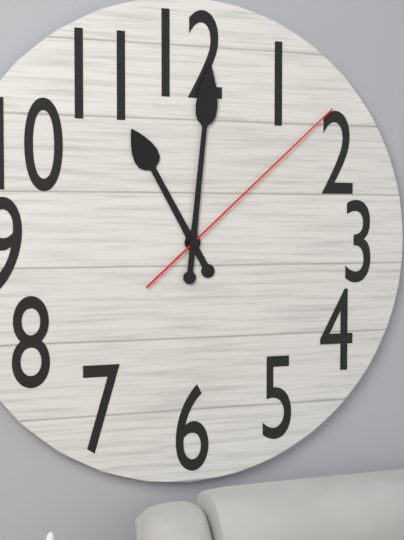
11:01:08
